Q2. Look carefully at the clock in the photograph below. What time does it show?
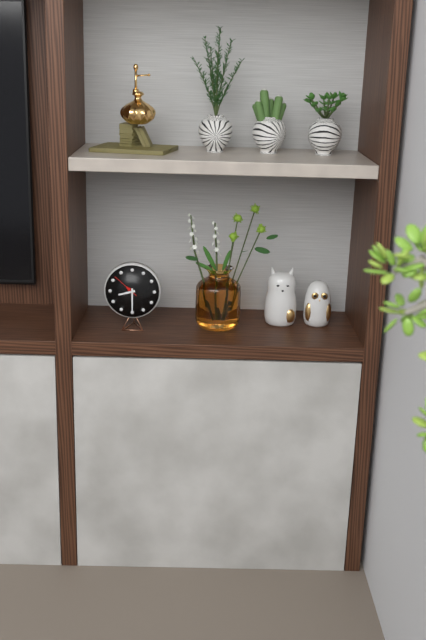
8:30
